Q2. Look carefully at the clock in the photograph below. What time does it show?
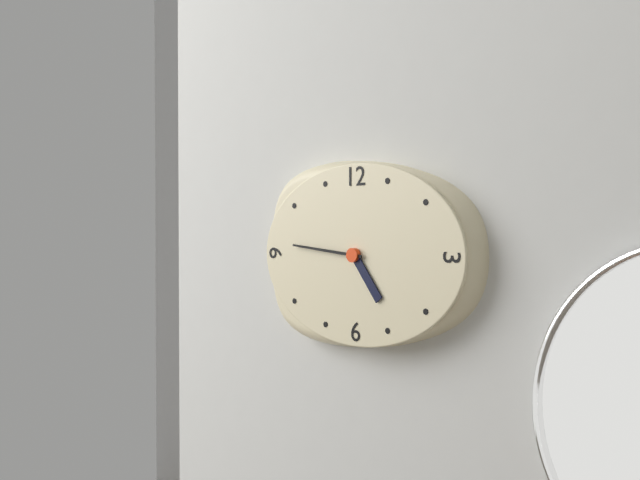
4:46
